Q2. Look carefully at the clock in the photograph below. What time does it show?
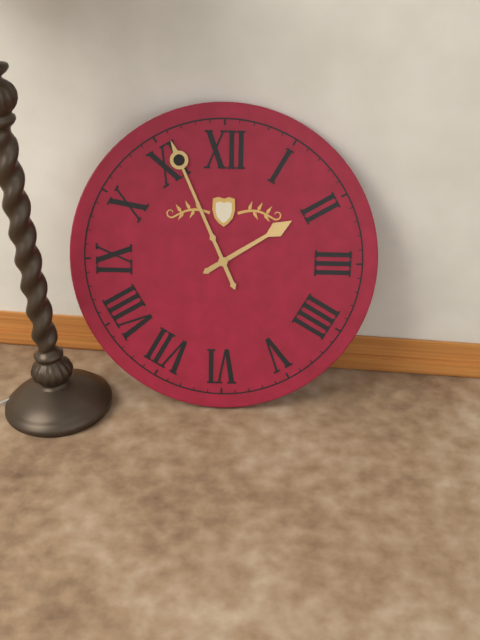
1:56
